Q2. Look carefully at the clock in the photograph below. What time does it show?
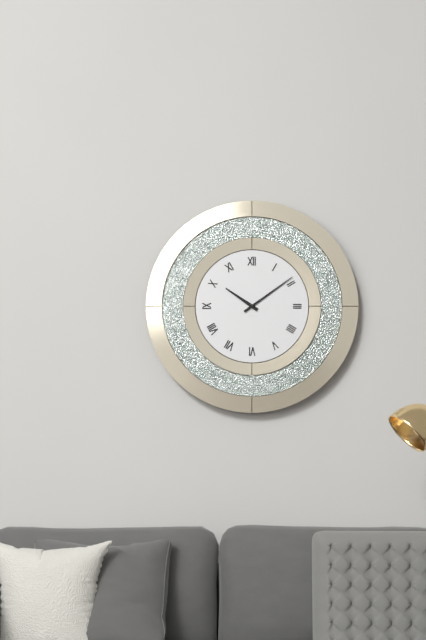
10:09
